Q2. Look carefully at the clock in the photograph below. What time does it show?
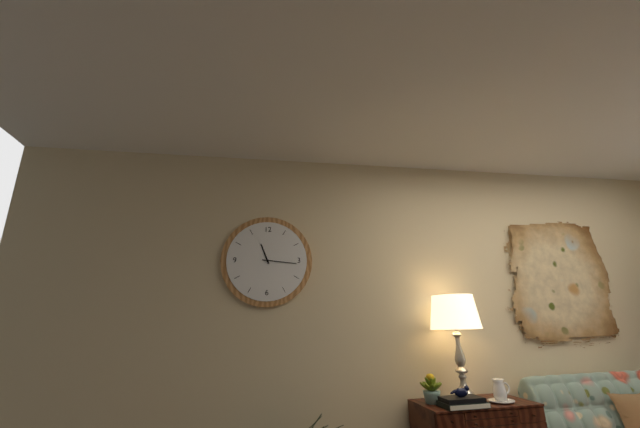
11:16
